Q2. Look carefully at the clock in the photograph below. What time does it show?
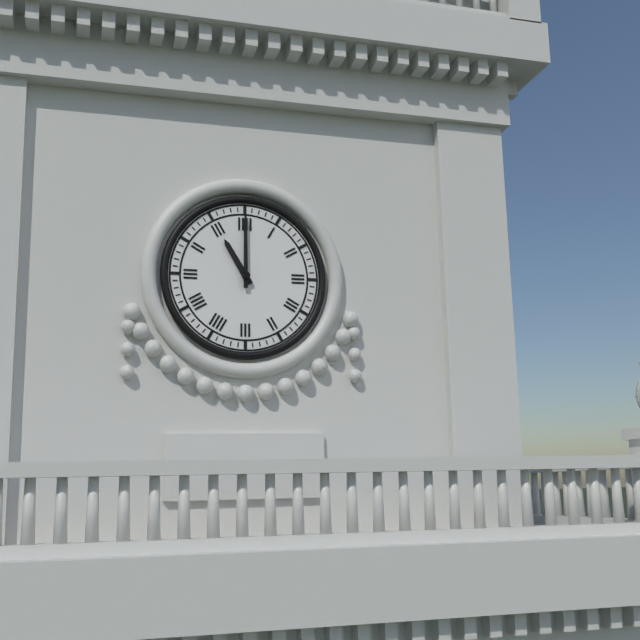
11:00
